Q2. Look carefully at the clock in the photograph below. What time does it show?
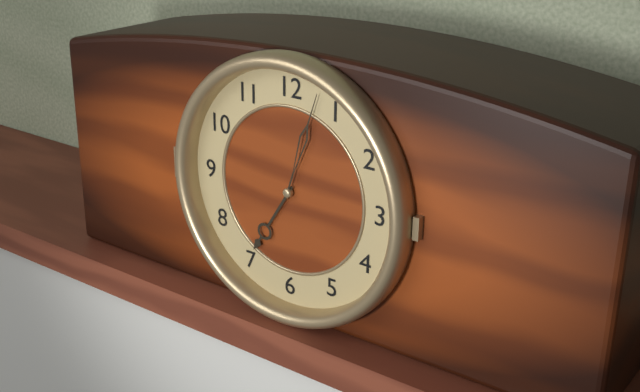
7:03
